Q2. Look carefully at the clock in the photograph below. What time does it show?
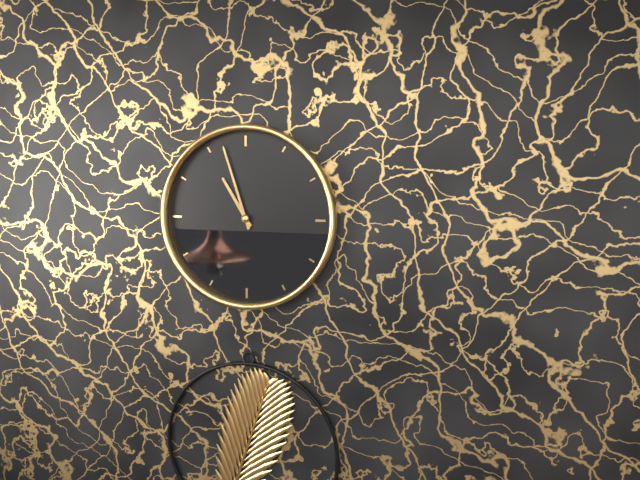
10:57
